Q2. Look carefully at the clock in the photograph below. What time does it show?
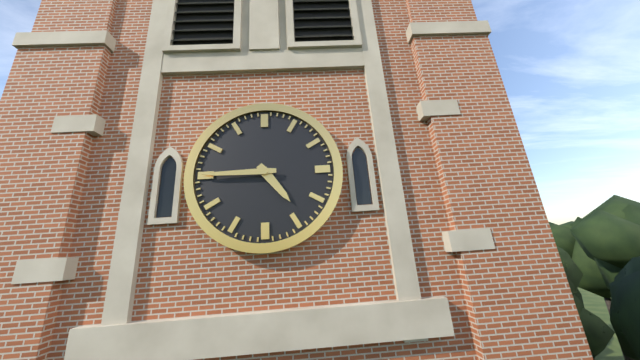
4:45
